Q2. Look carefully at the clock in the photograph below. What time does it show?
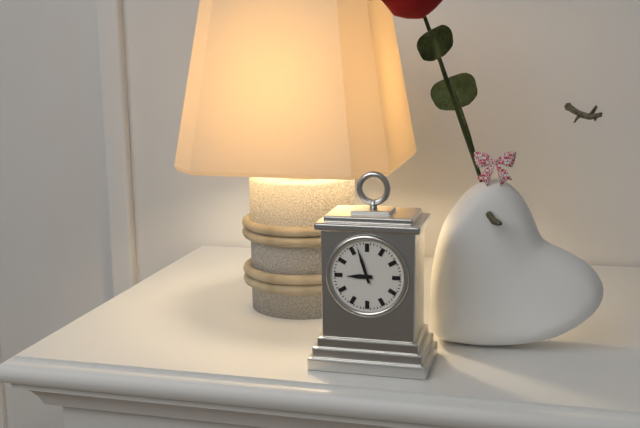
8:57
